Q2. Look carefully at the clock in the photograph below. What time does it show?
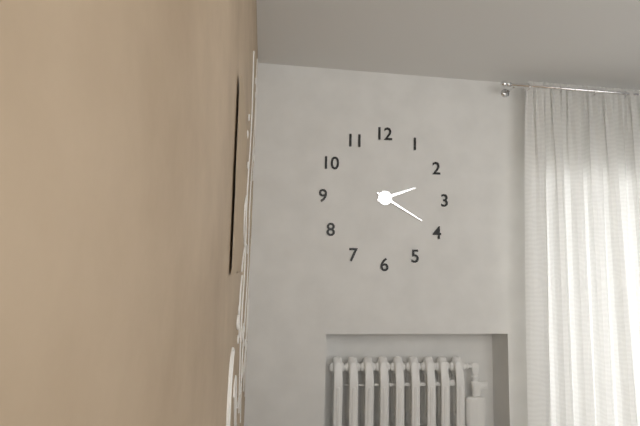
2:20
